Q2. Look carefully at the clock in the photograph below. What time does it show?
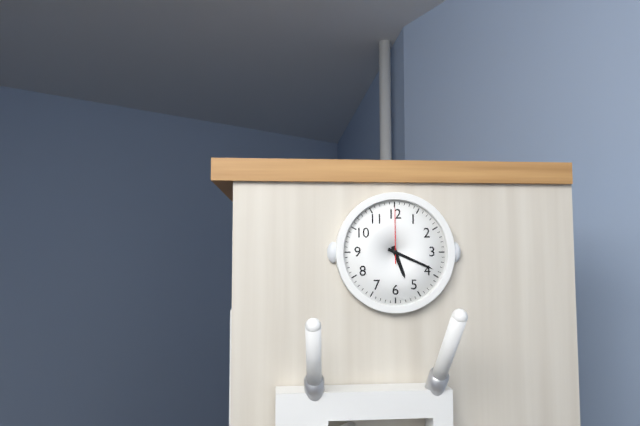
5:19:00
